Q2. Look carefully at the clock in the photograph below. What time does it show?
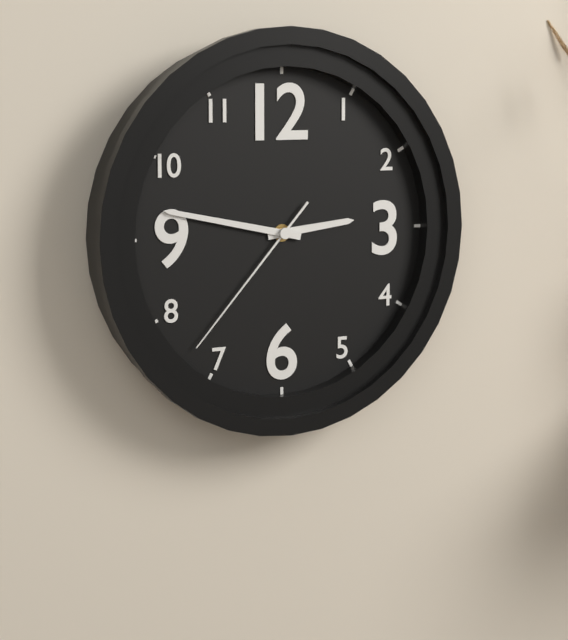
2:47:37
